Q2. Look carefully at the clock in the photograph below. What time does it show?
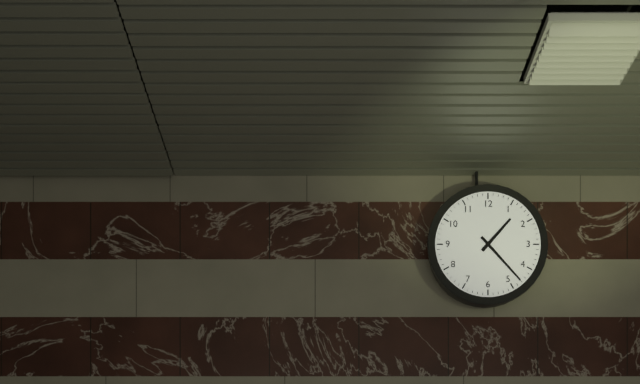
1:23
